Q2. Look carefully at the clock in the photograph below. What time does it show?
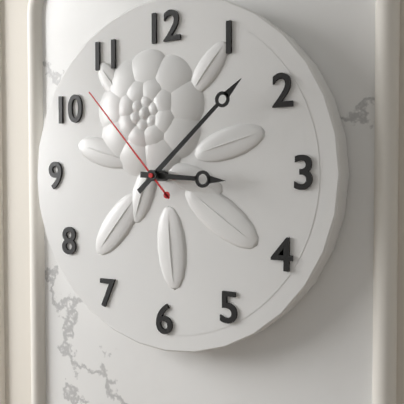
3:08:53
